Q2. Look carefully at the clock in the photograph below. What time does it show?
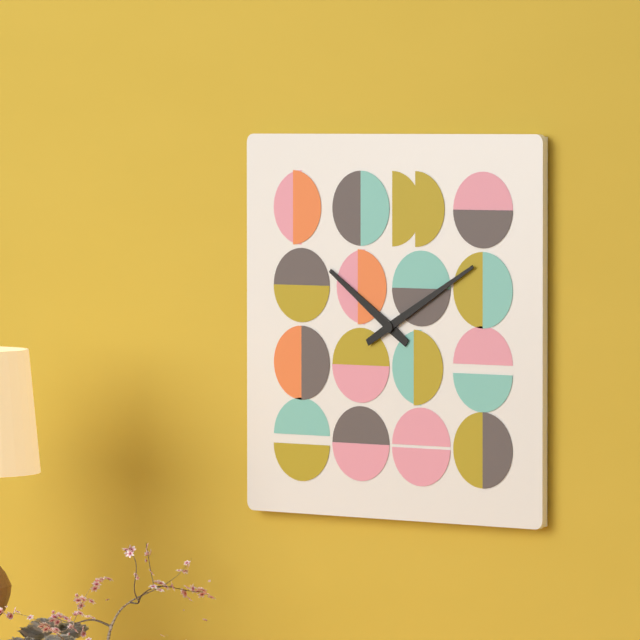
10:10
